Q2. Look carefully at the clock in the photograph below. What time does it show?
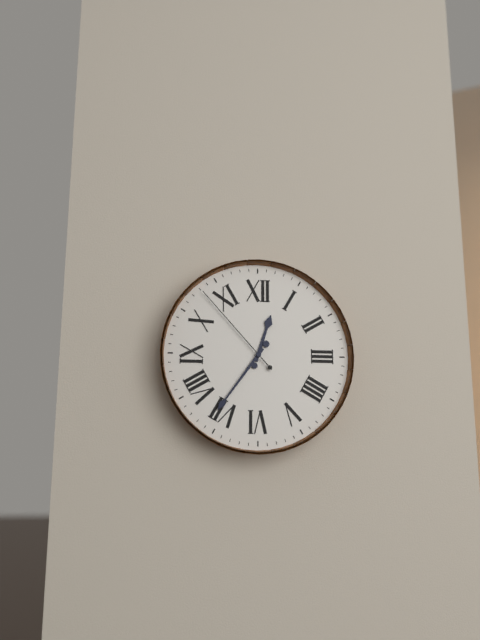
12:36:53
